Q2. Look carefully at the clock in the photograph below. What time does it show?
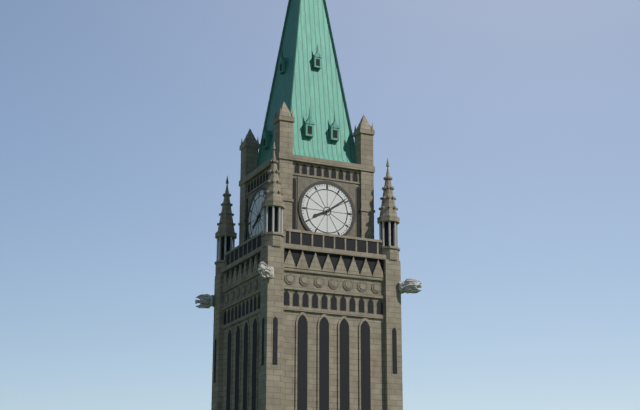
8:09
